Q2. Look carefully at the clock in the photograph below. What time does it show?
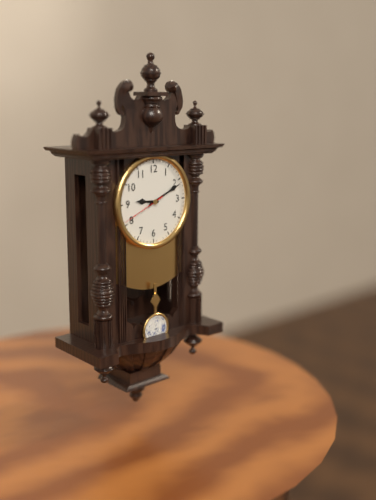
9:11
